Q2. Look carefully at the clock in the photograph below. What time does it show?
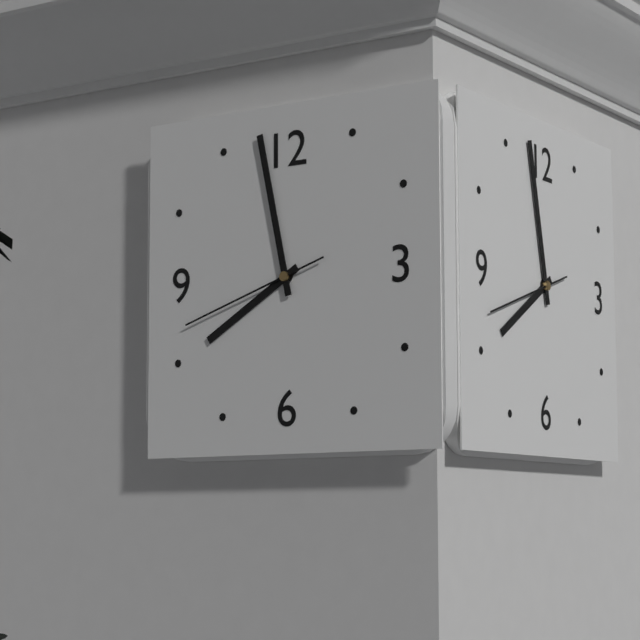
7:58:42
